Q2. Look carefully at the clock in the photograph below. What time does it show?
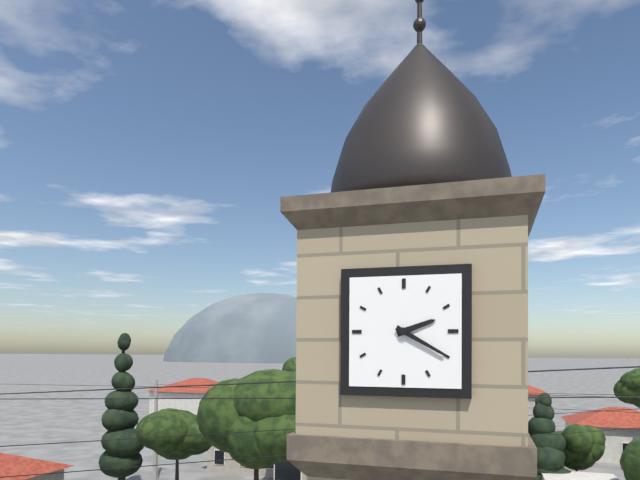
2:20
